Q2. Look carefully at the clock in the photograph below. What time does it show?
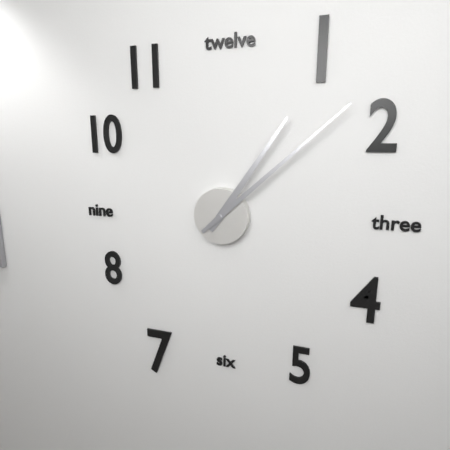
1:08
